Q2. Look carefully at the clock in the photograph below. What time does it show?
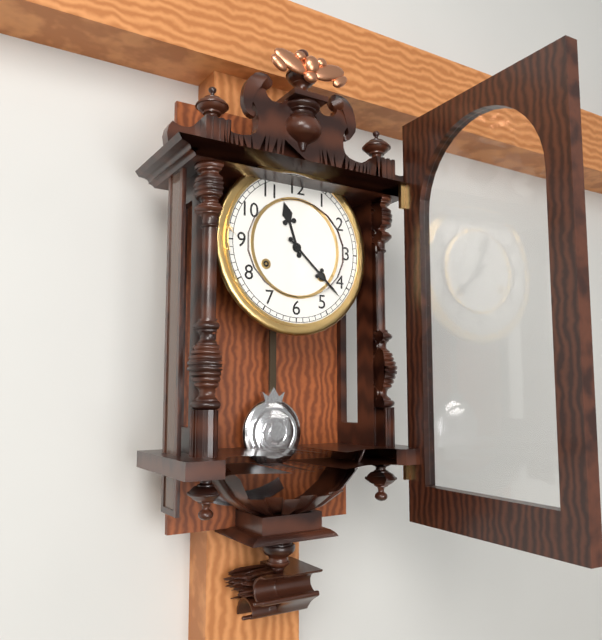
11:22
